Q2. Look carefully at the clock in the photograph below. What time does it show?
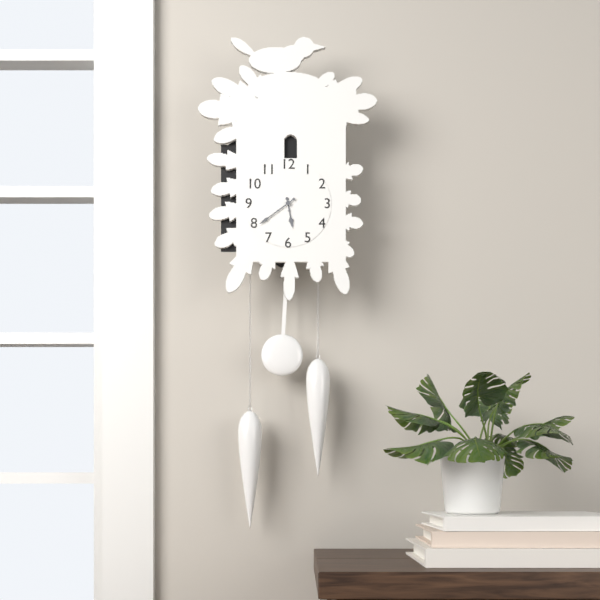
5:39
